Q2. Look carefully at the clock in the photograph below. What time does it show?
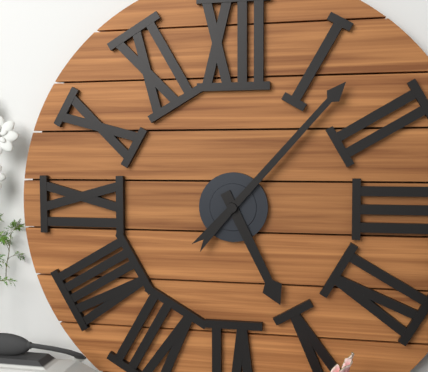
5:07
